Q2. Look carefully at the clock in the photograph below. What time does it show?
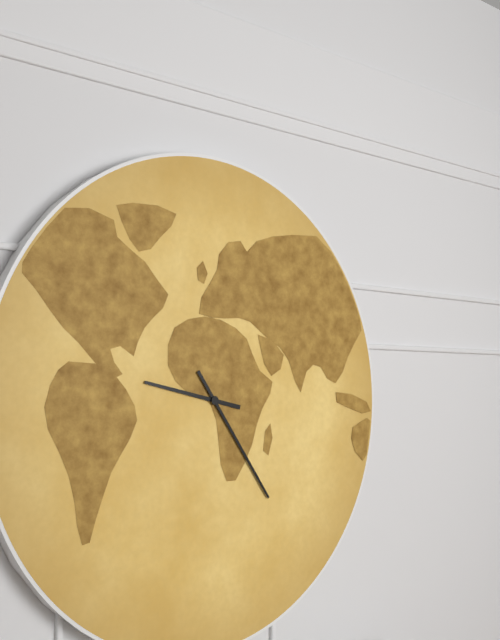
9:24
